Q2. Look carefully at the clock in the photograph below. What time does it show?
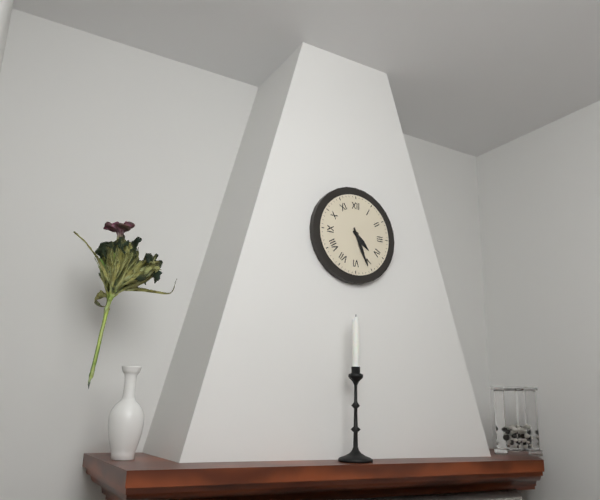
4:26
